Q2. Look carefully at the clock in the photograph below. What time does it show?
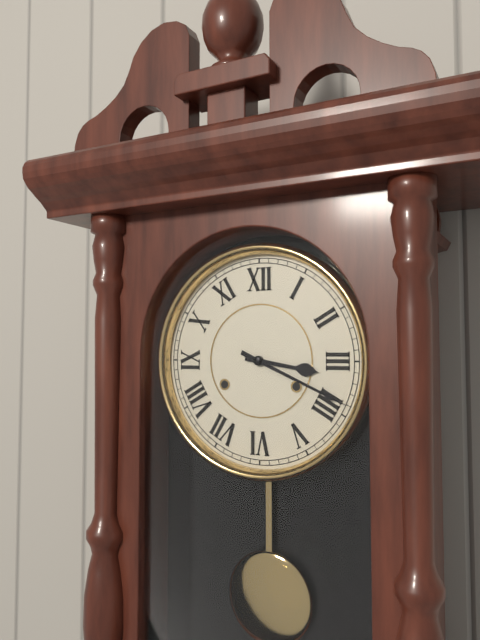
3:19
